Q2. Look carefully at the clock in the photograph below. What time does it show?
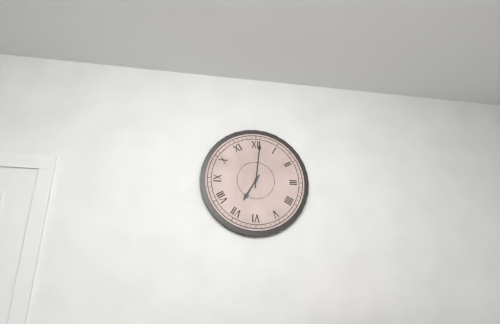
7:01
